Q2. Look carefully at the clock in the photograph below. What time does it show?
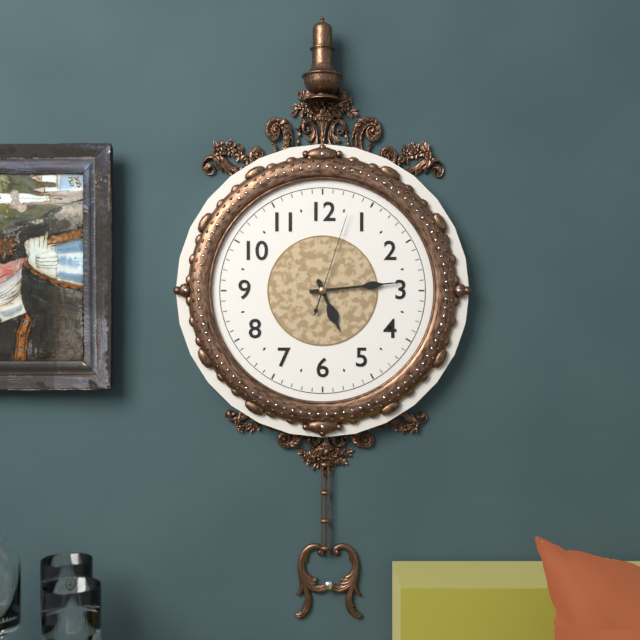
5:14:03
